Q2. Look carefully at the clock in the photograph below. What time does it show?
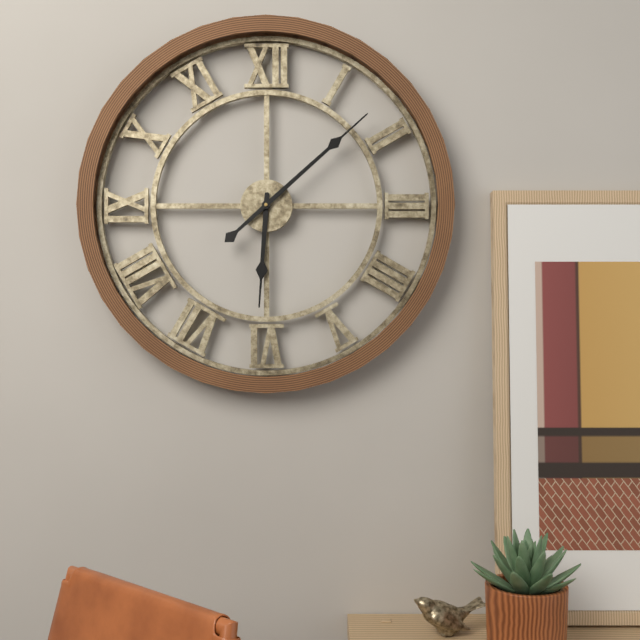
6:08
